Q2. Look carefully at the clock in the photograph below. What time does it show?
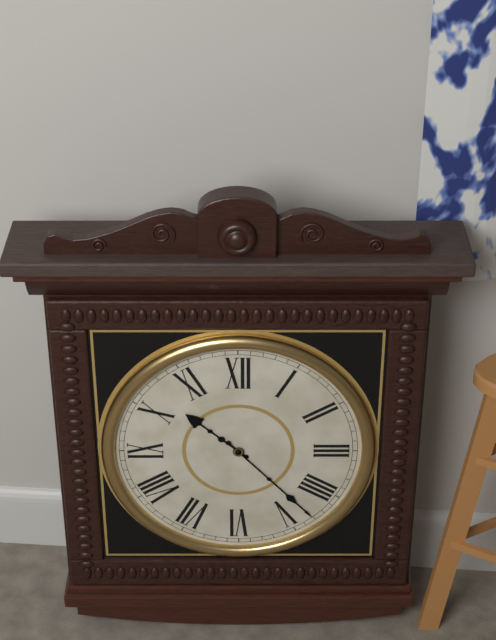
10:23
